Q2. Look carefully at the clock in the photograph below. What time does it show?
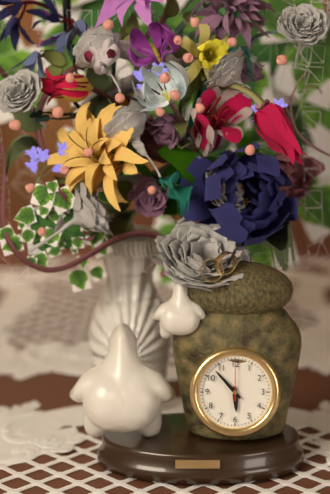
5:53
